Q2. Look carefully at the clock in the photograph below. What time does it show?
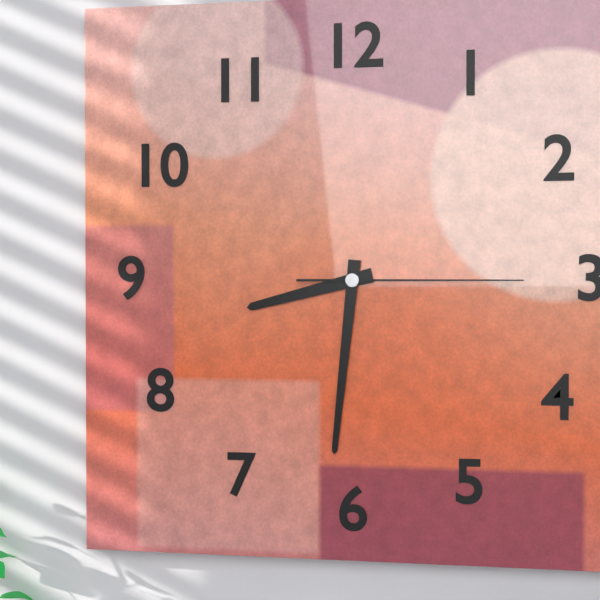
8:31:15
